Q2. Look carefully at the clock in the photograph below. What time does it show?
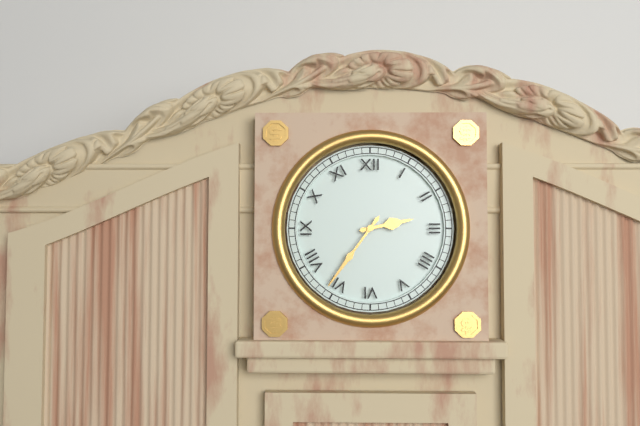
2:36
